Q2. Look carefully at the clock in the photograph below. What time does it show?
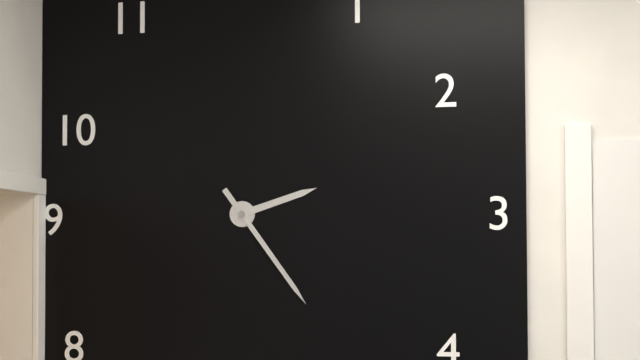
2:24
